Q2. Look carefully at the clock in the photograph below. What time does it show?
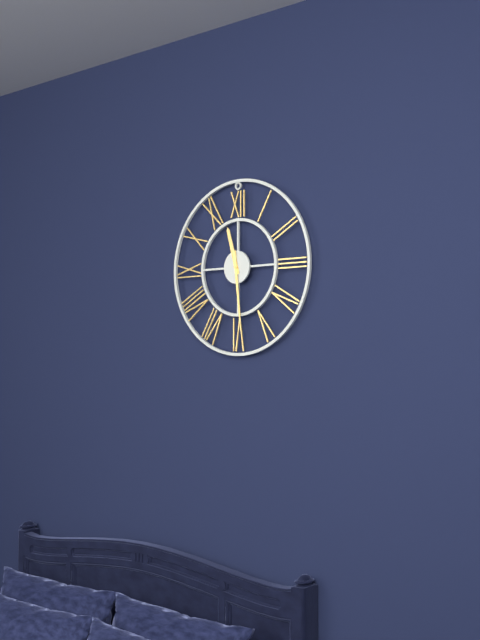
11:29
